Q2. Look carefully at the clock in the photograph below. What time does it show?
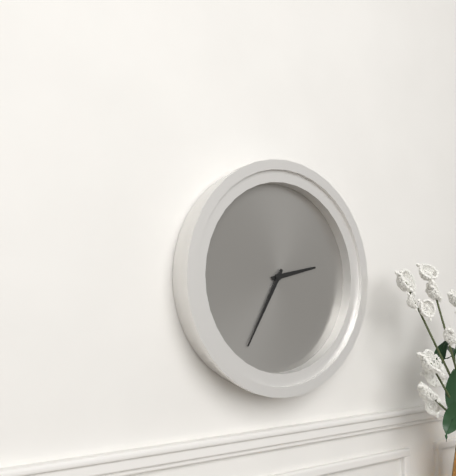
2:35
